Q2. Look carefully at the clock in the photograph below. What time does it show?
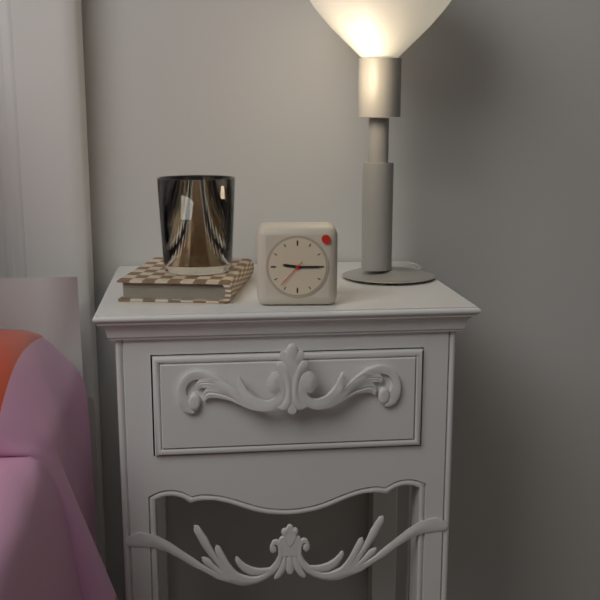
9:15
